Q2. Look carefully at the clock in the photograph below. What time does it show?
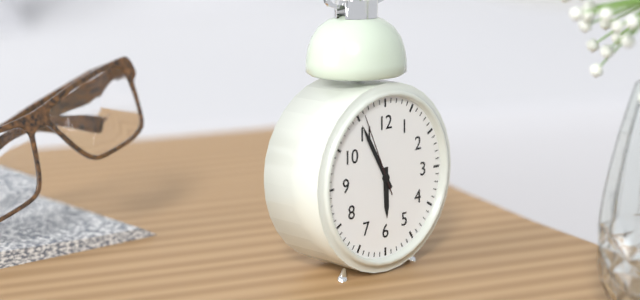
5:55:56
